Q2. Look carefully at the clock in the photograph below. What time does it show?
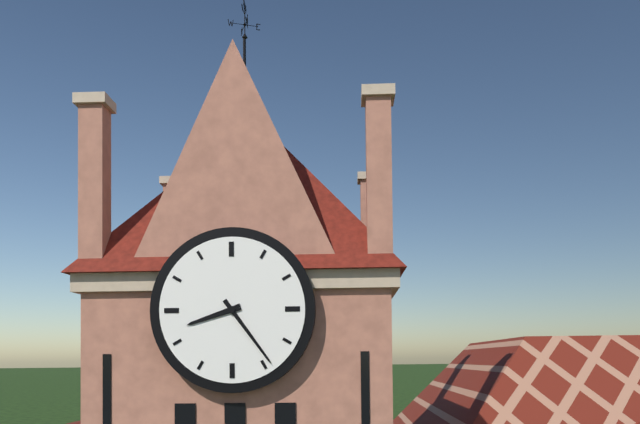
8:24
